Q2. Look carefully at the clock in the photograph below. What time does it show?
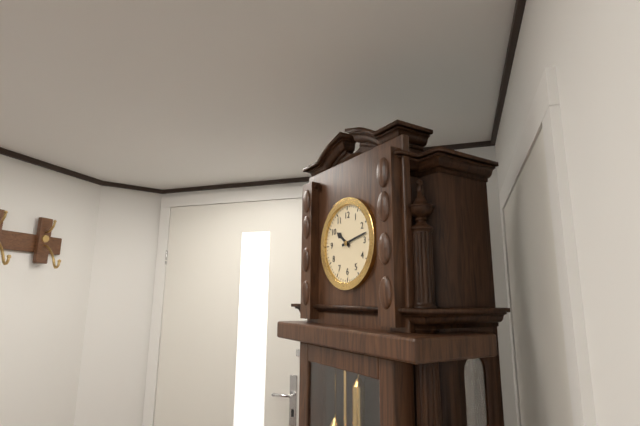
10:13
